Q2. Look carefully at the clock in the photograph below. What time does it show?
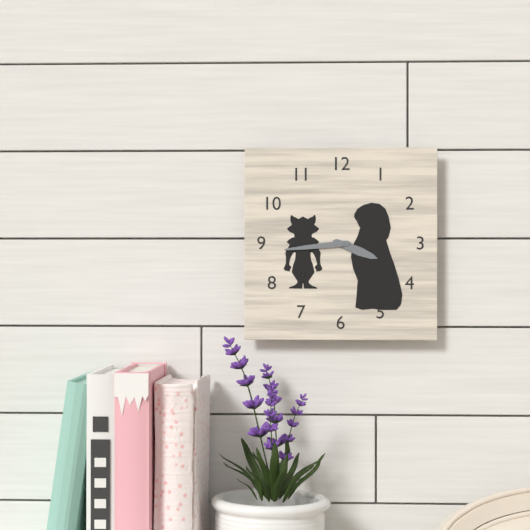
3:44
